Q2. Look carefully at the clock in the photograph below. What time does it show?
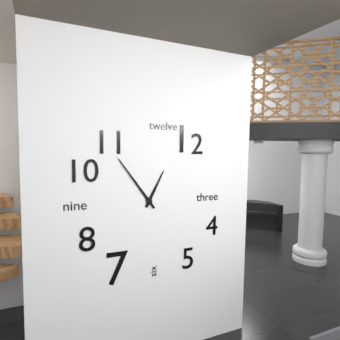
12:54
